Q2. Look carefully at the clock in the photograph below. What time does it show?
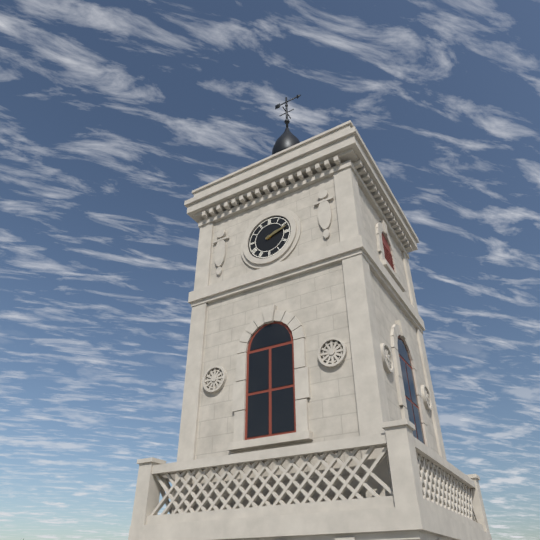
2:12
